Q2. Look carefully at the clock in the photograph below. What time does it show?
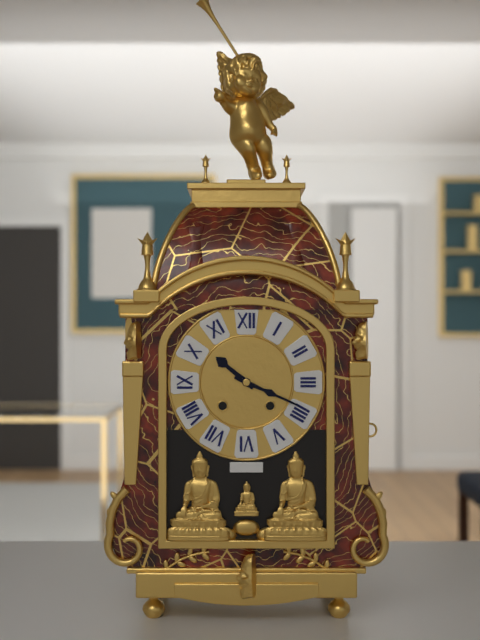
10:19
